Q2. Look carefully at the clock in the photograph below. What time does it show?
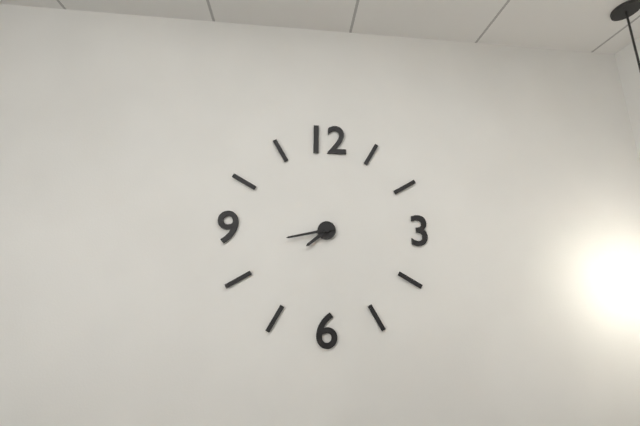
7:43
